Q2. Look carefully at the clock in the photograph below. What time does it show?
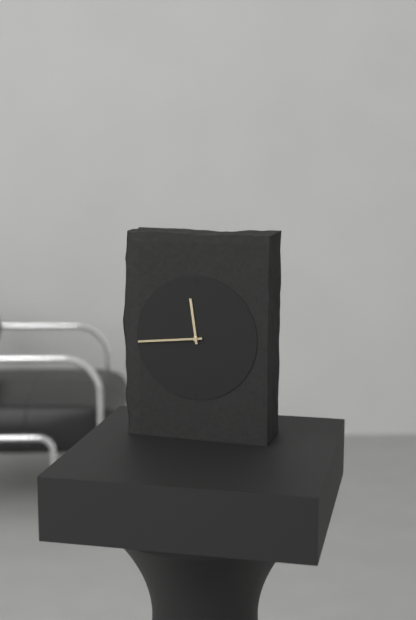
11:44
